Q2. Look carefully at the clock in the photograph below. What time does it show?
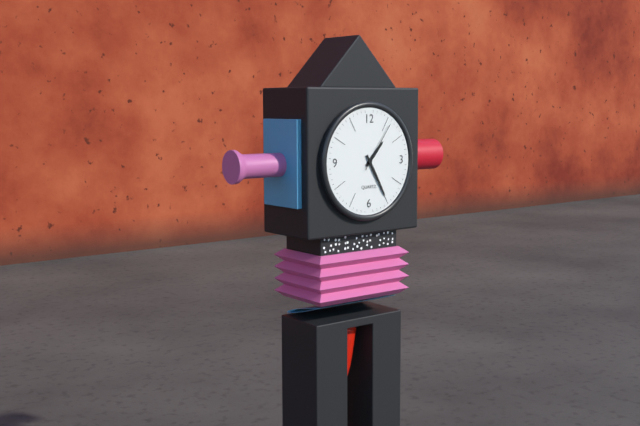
1:25:06
